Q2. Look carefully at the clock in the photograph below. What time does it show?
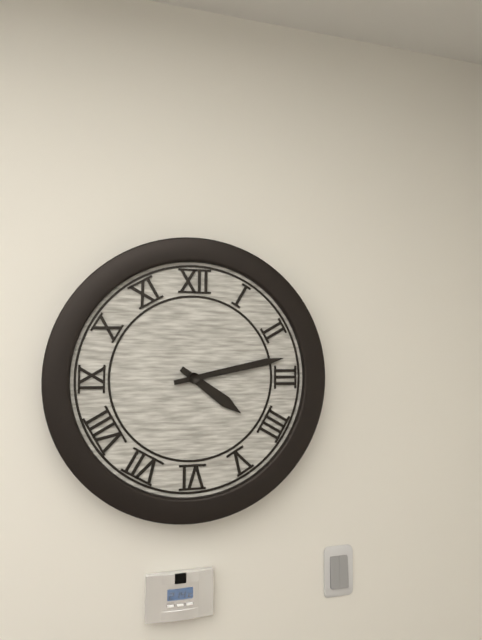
4:13
